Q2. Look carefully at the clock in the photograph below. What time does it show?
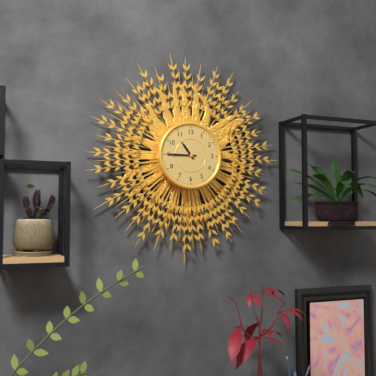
10:45
